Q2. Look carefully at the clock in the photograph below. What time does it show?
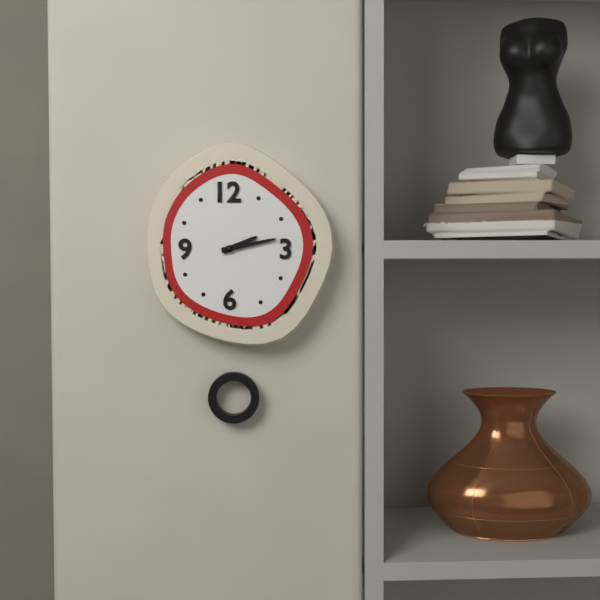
2:13
